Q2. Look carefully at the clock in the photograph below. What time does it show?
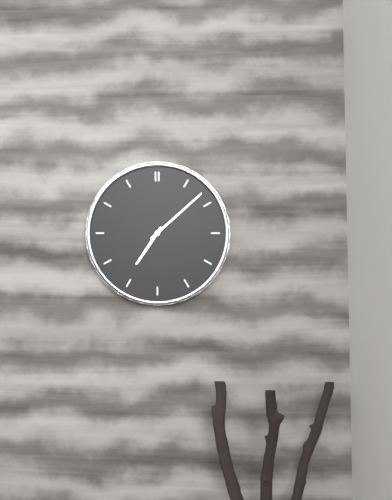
7:08
